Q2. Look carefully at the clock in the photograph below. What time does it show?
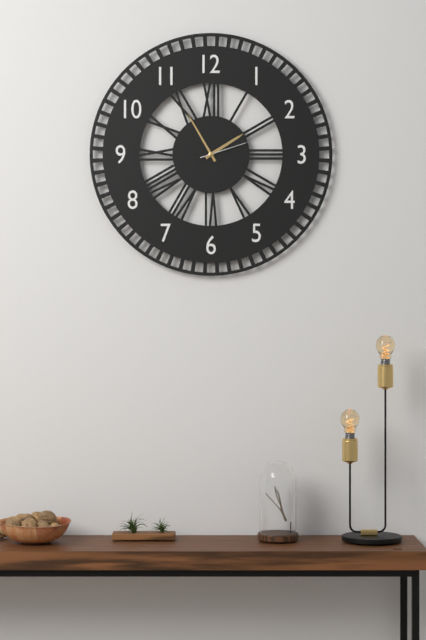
1:55:12
